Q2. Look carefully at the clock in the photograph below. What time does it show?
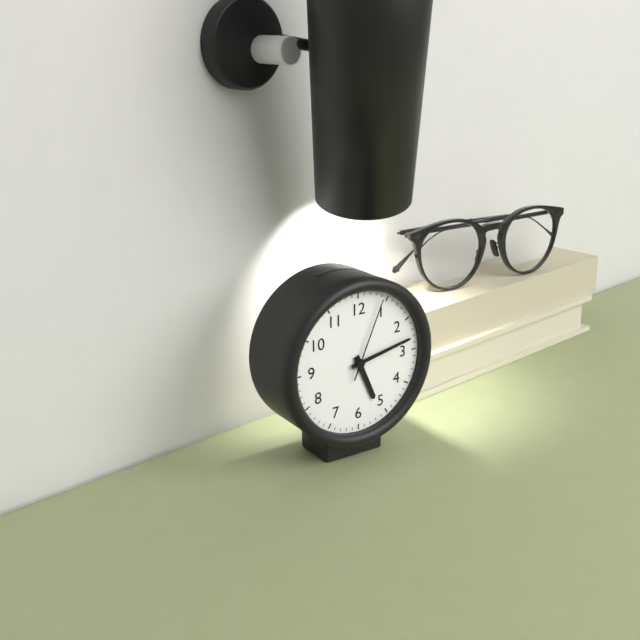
5:13:04
